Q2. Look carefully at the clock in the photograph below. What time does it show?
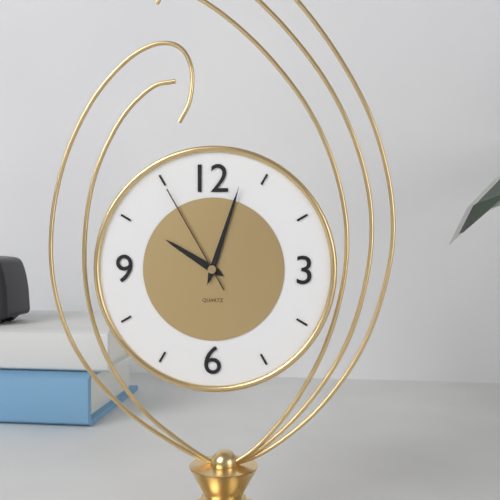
10:03:55
